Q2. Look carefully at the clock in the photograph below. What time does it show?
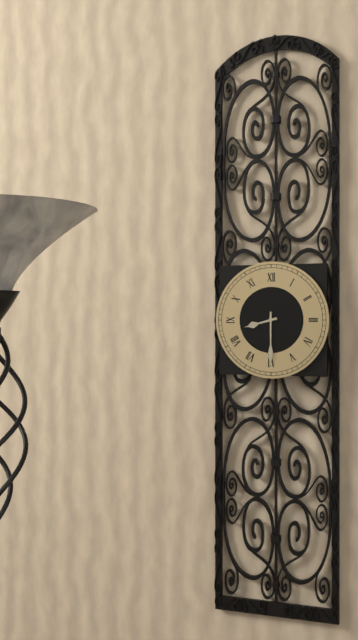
8:30
